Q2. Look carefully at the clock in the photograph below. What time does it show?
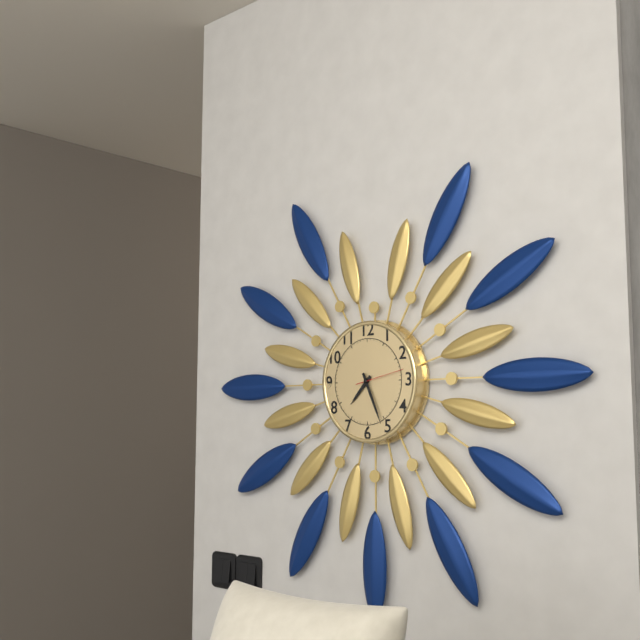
7:26:13
